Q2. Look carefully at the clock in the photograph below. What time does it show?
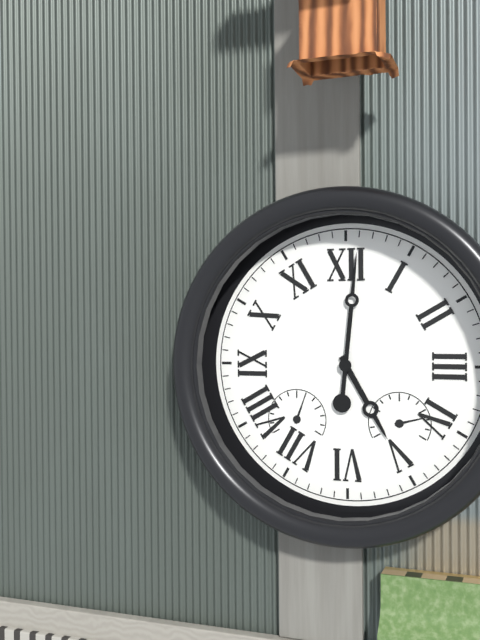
5:01
